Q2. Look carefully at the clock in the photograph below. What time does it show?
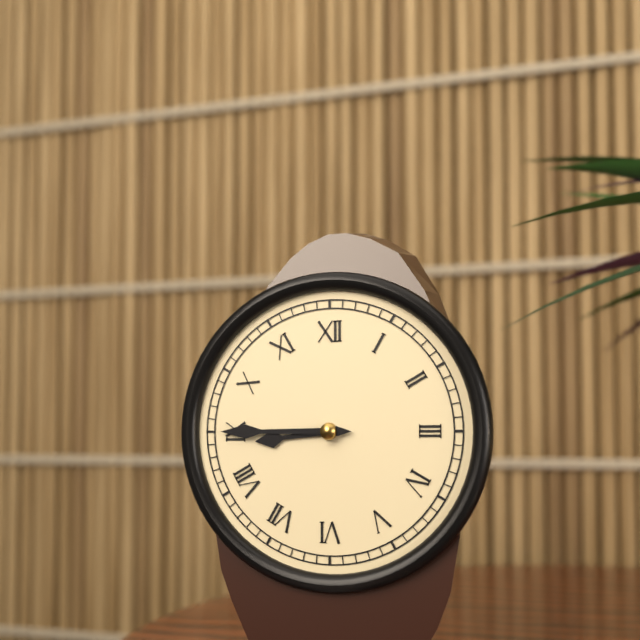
8:45
